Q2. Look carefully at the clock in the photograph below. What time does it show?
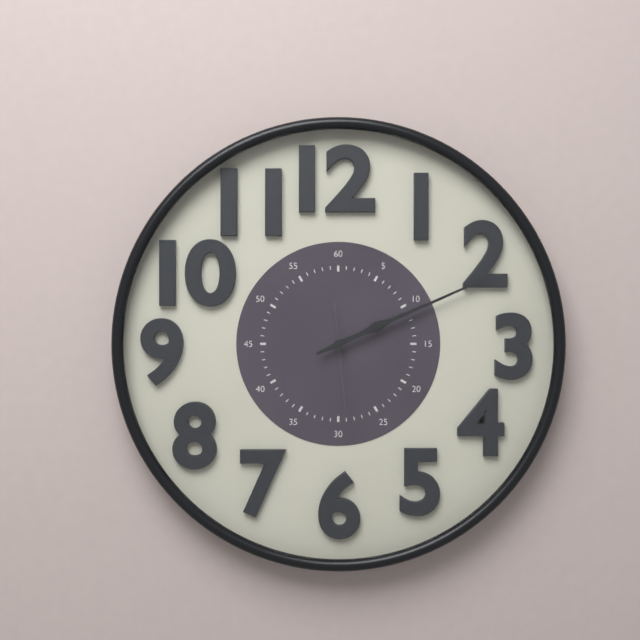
2:11:29
